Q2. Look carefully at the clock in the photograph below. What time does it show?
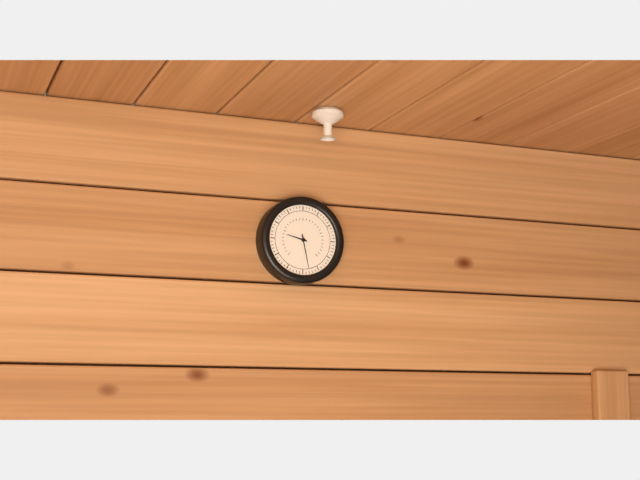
9:28
